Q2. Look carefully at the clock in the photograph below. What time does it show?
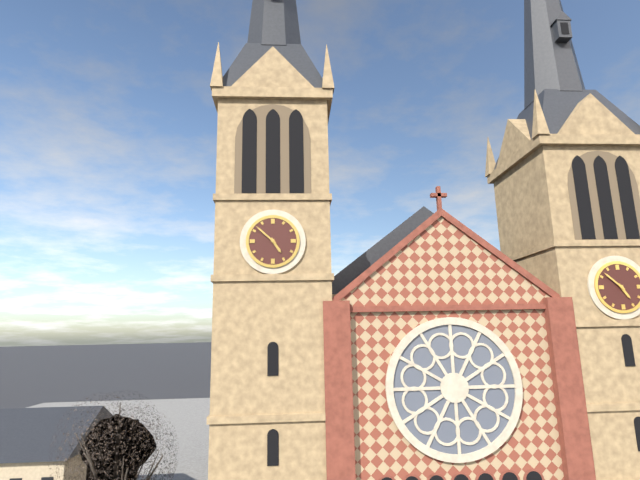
4:52
